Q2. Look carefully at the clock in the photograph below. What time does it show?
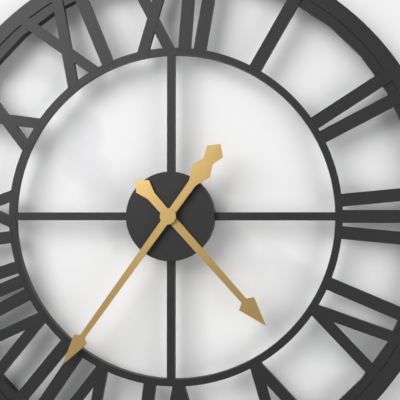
4:36
